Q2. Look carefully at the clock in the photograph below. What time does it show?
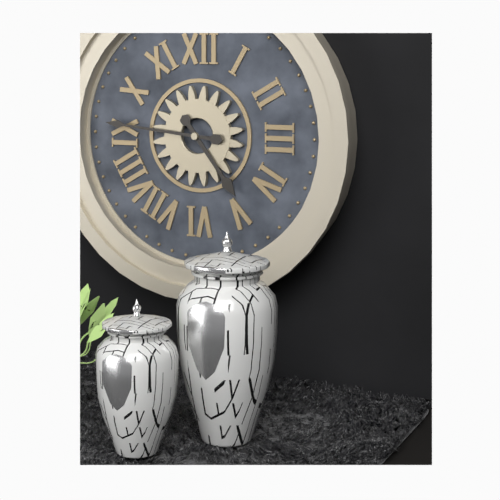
4:46
